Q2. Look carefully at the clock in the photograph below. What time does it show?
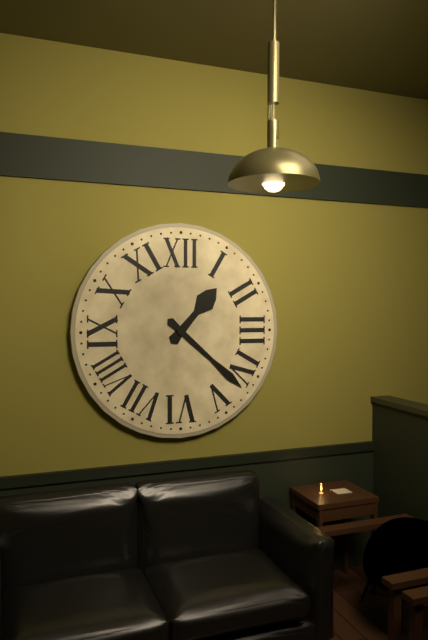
1:22
